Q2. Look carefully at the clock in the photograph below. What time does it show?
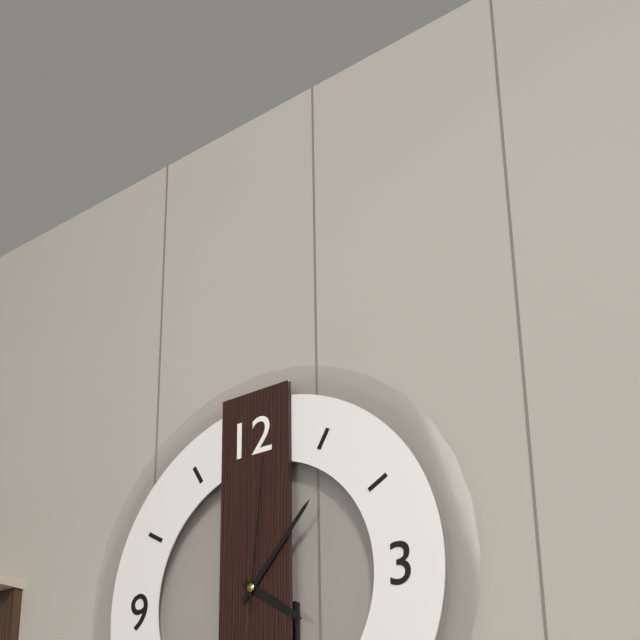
4:07:01
